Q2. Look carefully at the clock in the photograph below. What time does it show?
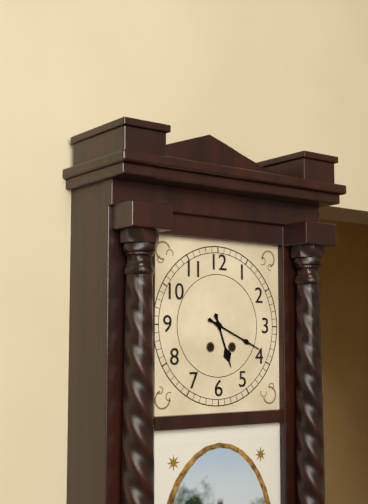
5:19
